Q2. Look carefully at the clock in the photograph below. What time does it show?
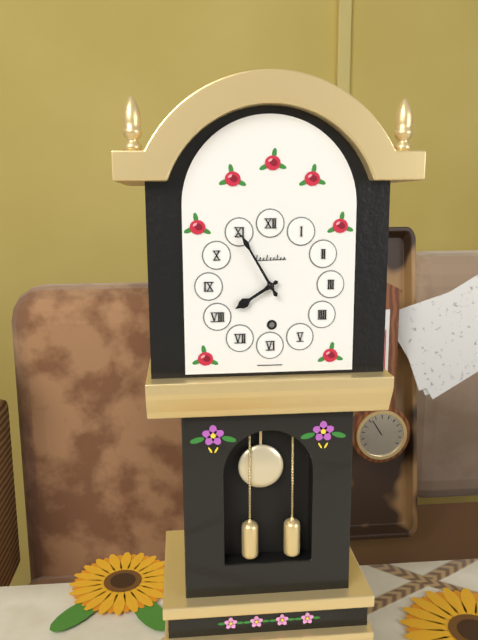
7:55
